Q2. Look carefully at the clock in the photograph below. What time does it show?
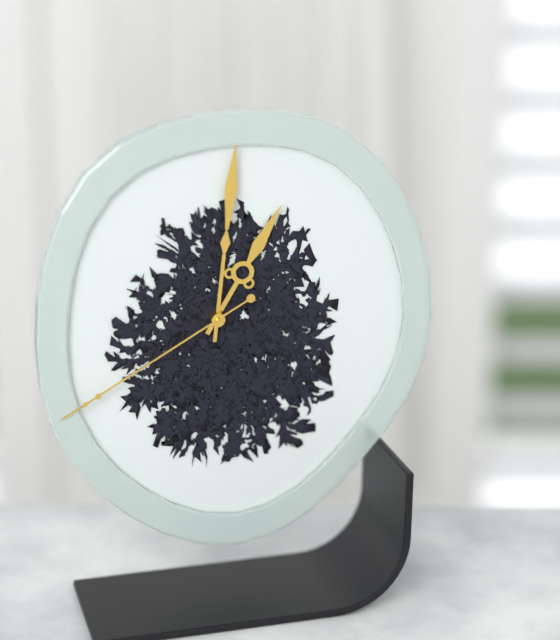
1:01:40
